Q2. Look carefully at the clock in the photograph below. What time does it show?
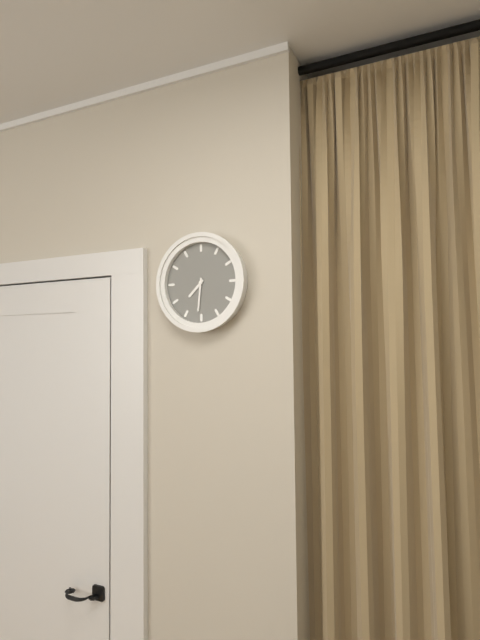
7:31
